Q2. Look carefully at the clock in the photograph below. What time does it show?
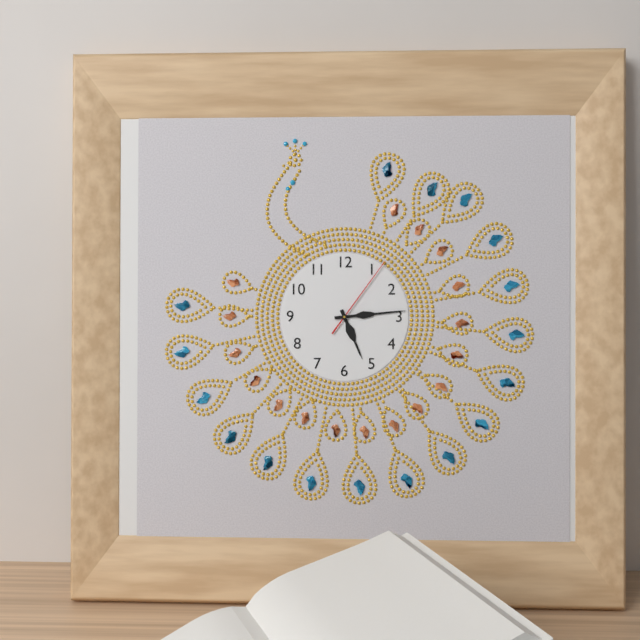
5:14:06
